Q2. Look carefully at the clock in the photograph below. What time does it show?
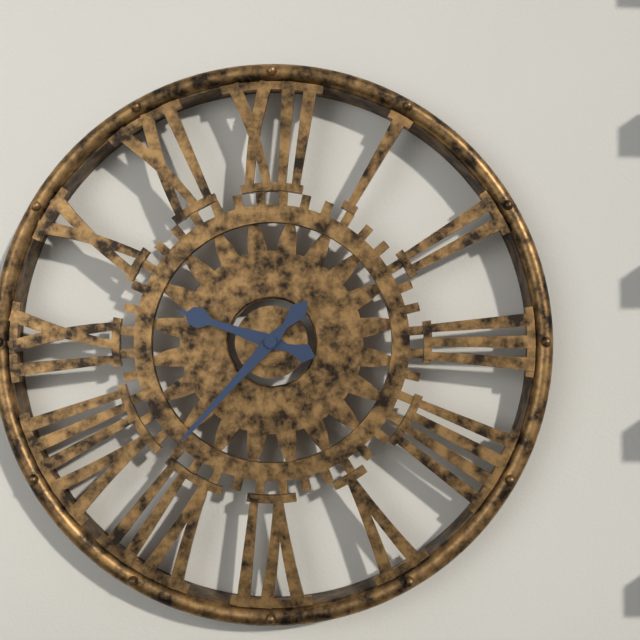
9:37
